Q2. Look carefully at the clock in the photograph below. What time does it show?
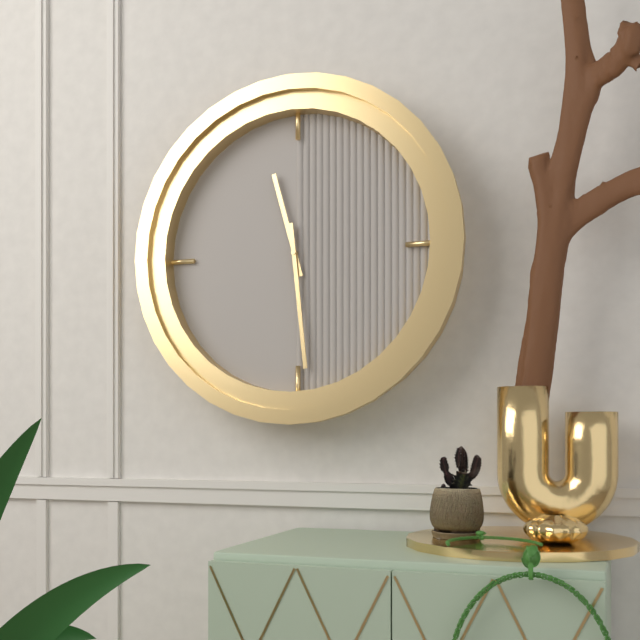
11:29
